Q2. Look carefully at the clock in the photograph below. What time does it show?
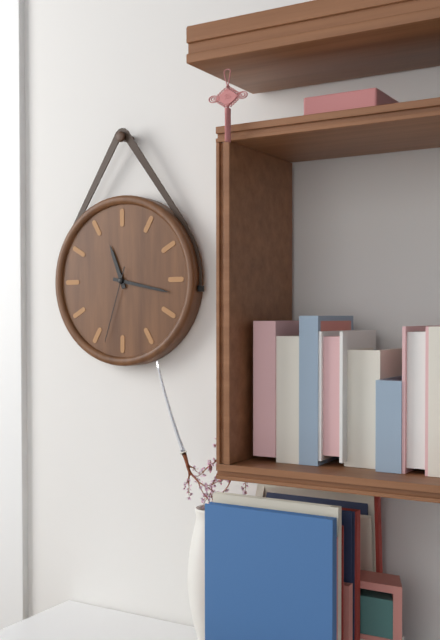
11:17:33
